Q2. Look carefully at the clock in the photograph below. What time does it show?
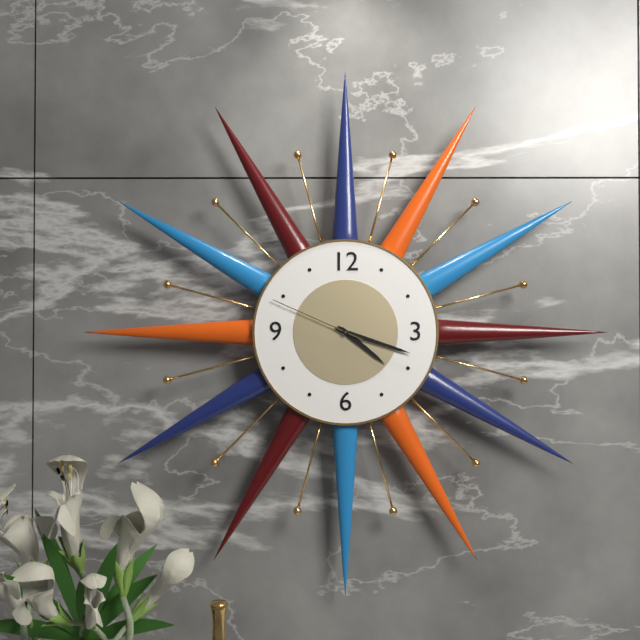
4:18:49
